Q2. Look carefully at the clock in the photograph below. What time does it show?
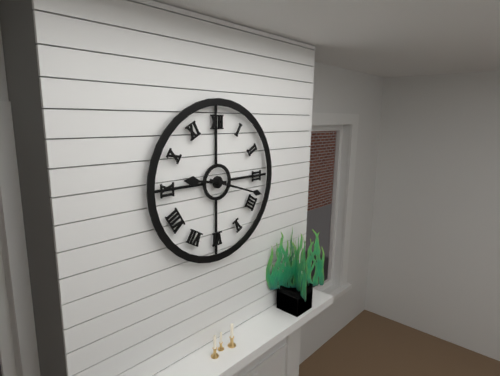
9:18
